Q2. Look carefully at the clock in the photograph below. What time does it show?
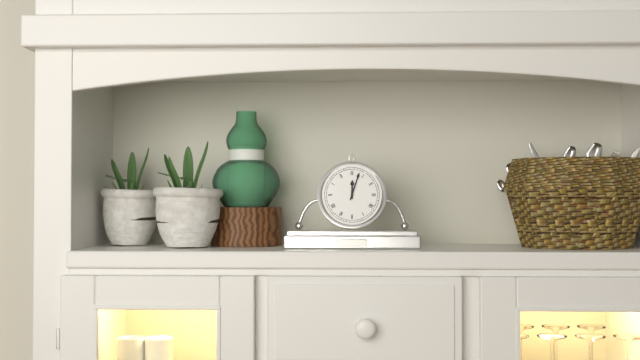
12:03
